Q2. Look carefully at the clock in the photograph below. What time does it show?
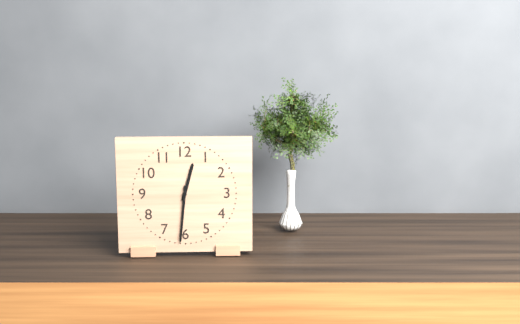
12:31
